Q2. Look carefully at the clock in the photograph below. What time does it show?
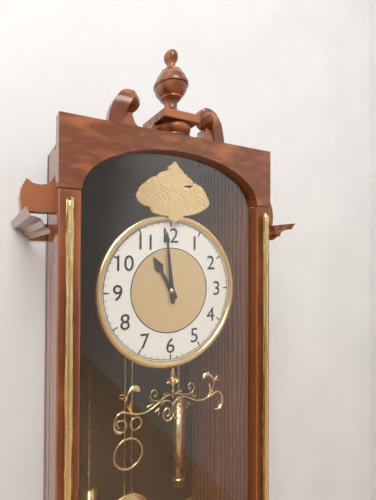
10:59
